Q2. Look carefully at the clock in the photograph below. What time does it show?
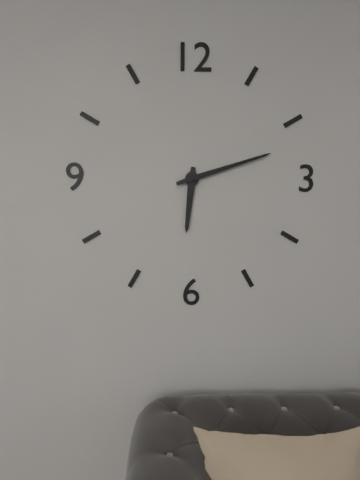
6:12
